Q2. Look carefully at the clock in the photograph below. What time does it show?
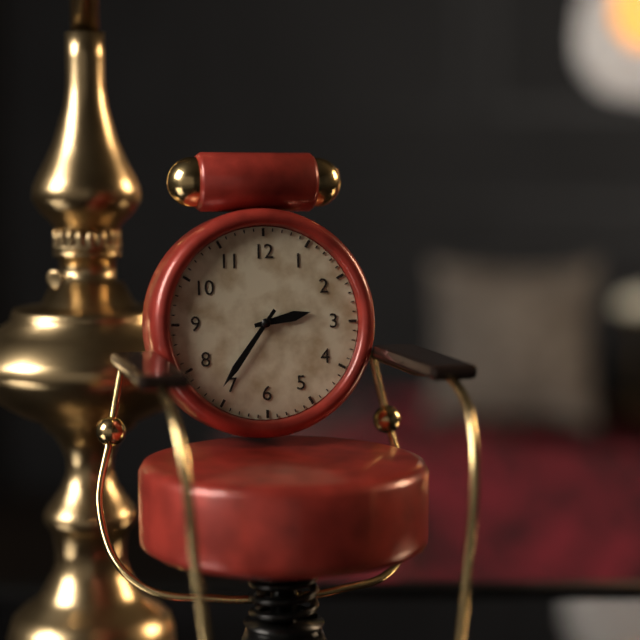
2:36
